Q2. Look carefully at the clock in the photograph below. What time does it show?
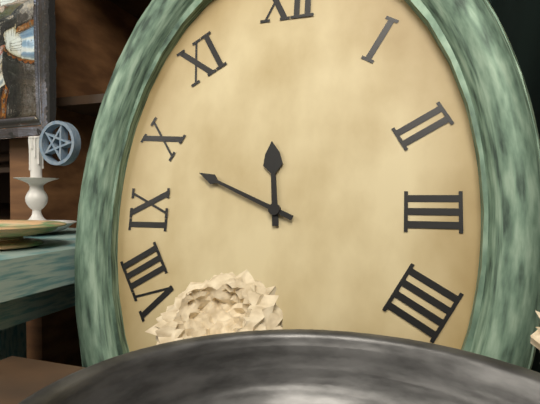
11:49
